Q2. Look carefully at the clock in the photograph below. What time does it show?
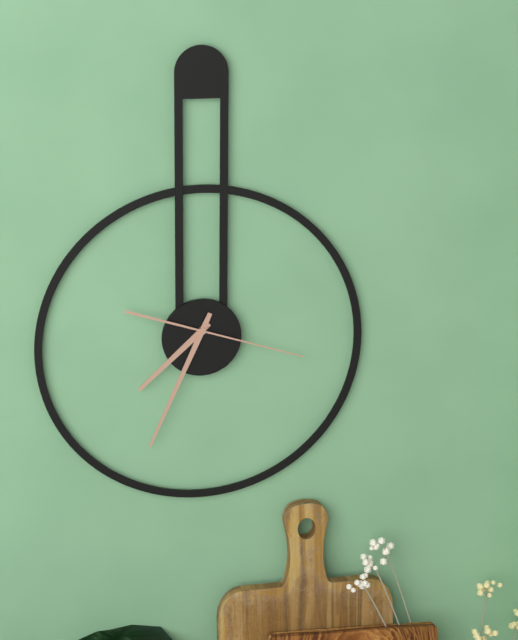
7:34:18
